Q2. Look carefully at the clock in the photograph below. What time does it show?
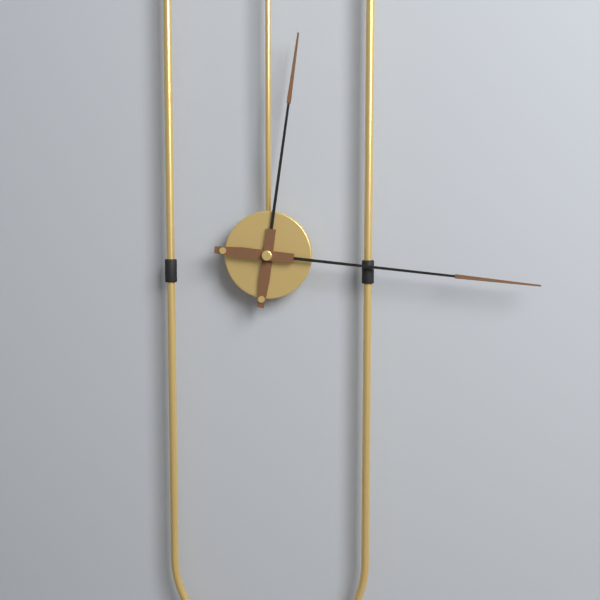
12:16
